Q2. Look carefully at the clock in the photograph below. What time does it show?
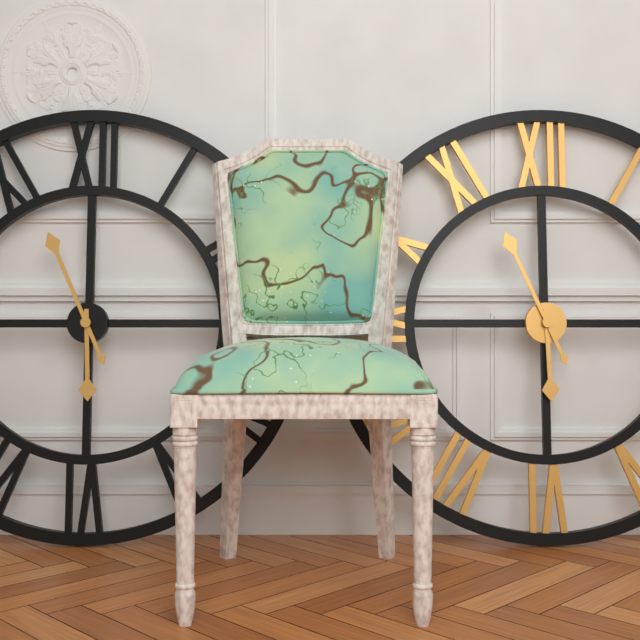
5:56
